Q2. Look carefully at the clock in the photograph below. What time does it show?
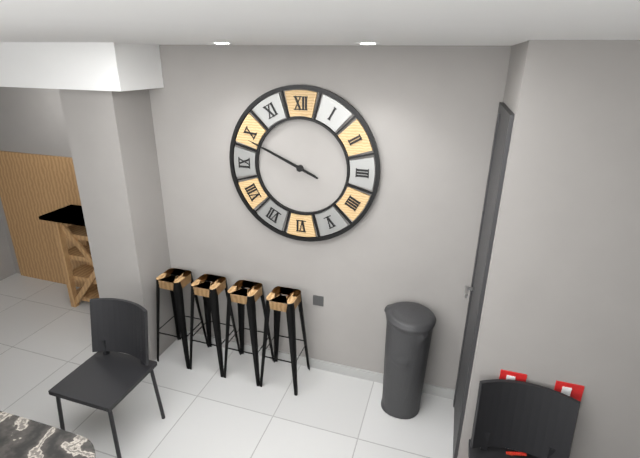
9:49
